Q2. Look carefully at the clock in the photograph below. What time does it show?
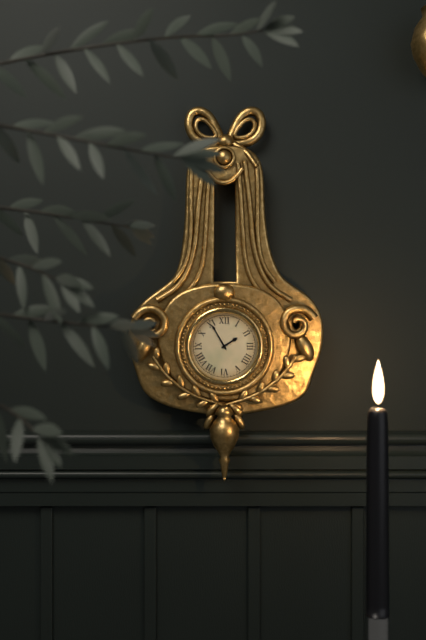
1:55
